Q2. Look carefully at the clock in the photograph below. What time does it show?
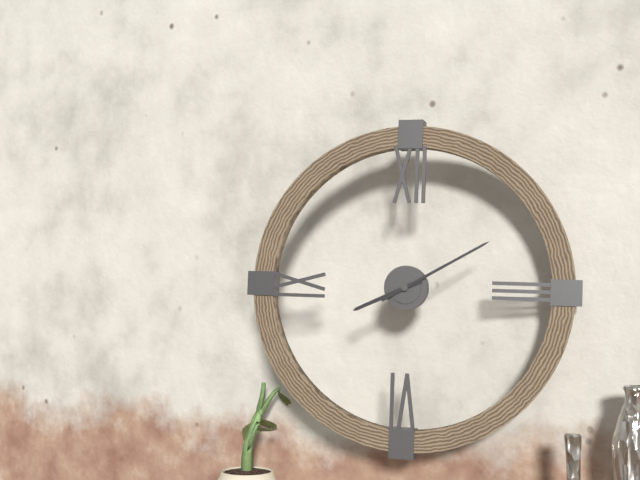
8:10
